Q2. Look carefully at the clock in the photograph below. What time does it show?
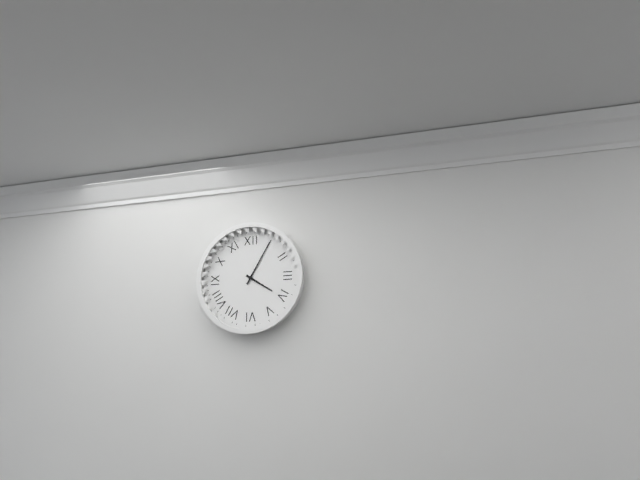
4:05
